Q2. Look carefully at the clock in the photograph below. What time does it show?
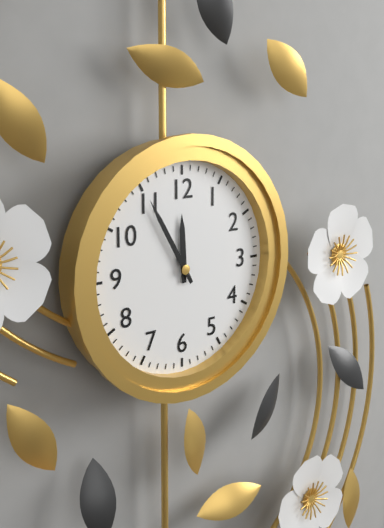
11:55
